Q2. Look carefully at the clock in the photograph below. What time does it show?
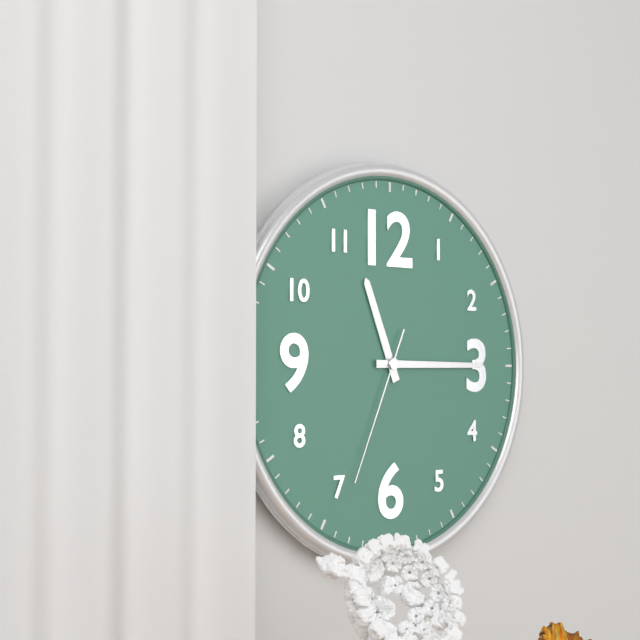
11:15:34
